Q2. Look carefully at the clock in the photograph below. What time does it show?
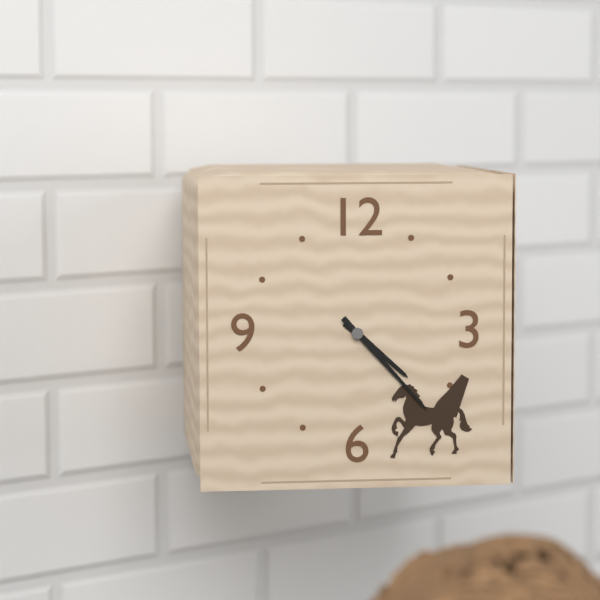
4:23
